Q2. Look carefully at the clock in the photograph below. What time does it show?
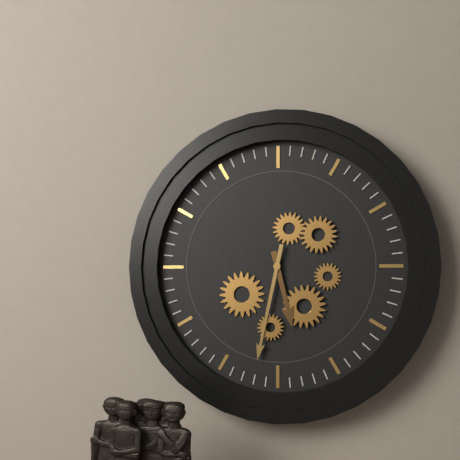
5:32
